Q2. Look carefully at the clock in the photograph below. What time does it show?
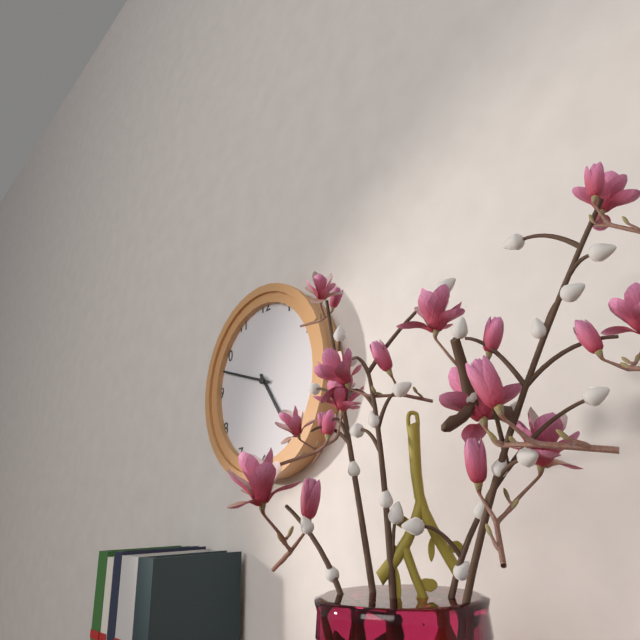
4:48
